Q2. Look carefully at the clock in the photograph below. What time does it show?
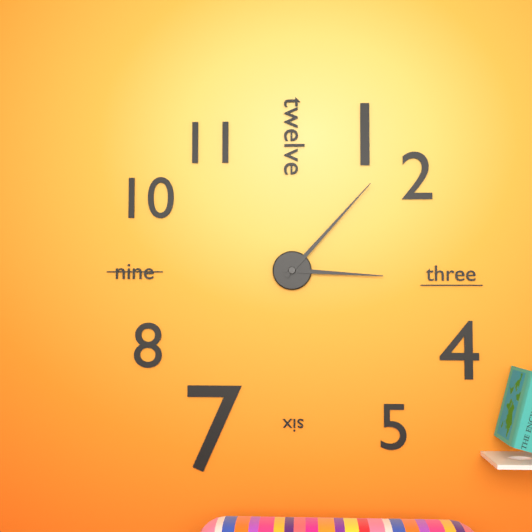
3:07
